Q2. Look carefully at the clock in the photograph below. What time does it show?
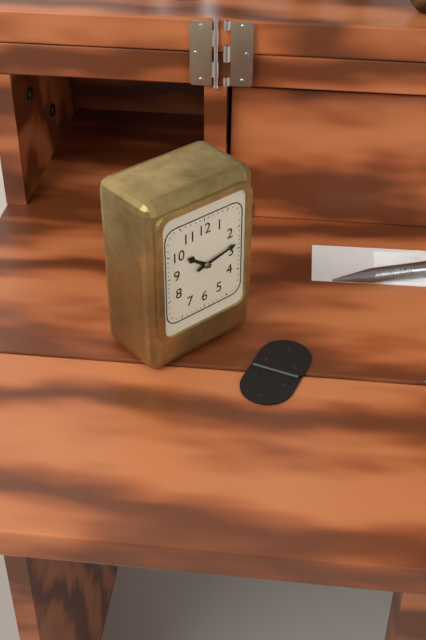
10:13
